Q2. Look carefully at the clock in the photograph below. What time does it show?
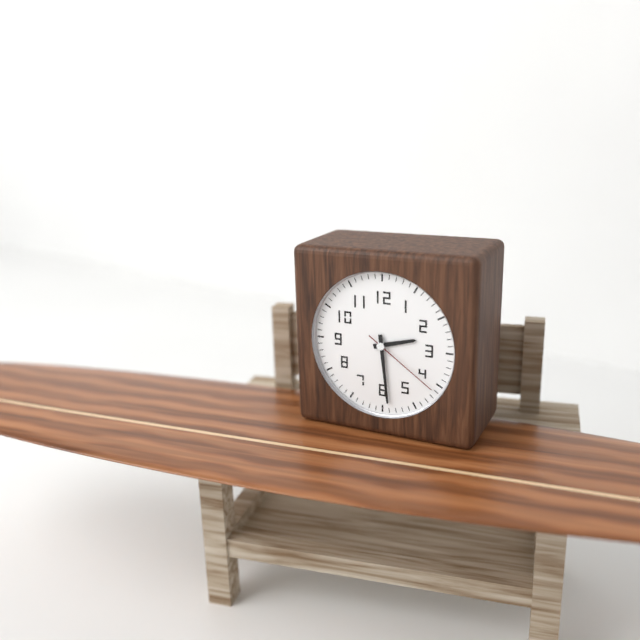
2:29:21
